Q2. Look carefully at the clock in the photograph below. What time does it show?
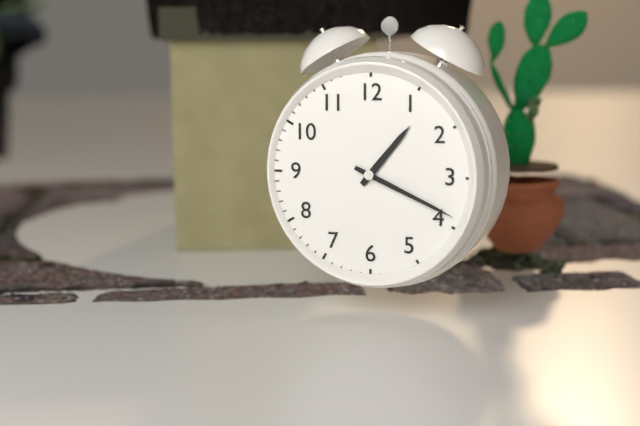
1:19
